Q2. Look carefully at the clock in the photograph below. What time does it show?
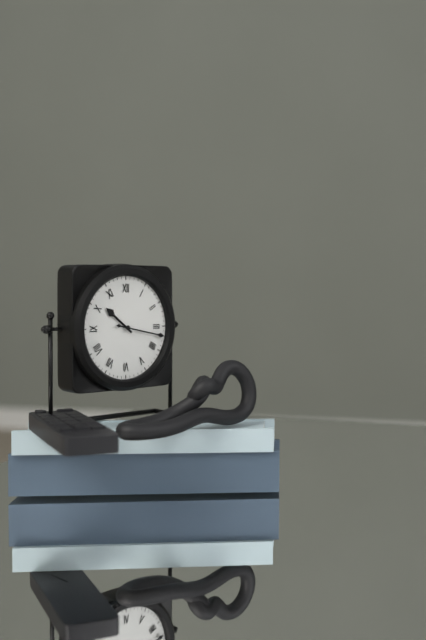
10:17
